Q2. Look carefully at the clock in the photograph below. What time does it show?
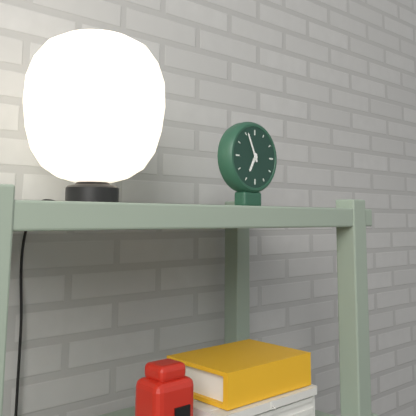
6:56
